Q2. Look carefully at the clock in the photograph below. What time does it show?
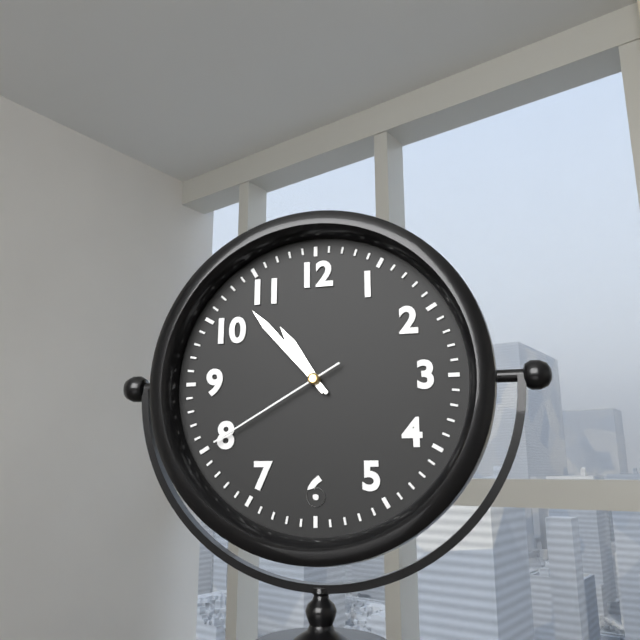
10:53:40
